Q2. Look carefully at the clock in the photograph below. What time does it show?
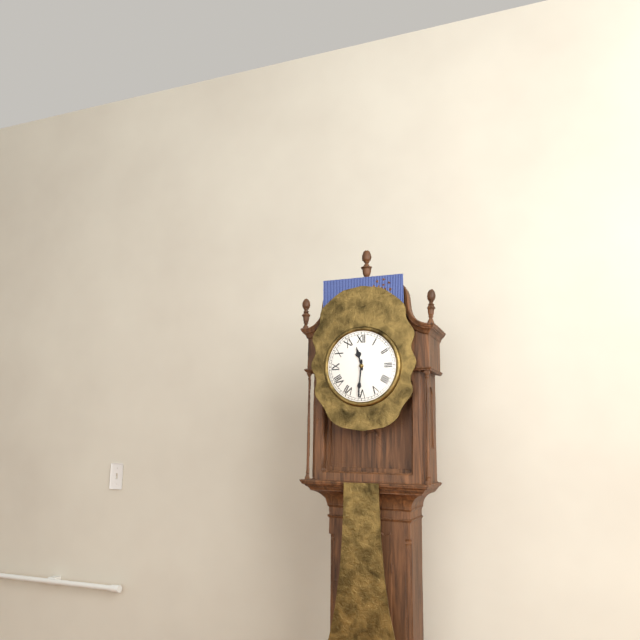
11:31
